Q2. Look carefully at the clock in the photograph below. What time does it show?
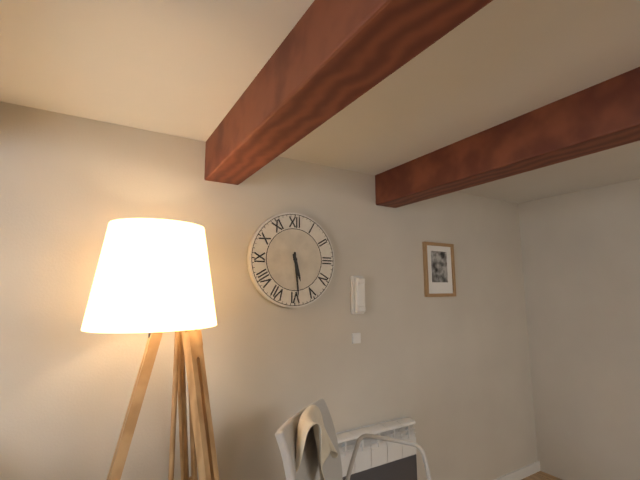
5:29
